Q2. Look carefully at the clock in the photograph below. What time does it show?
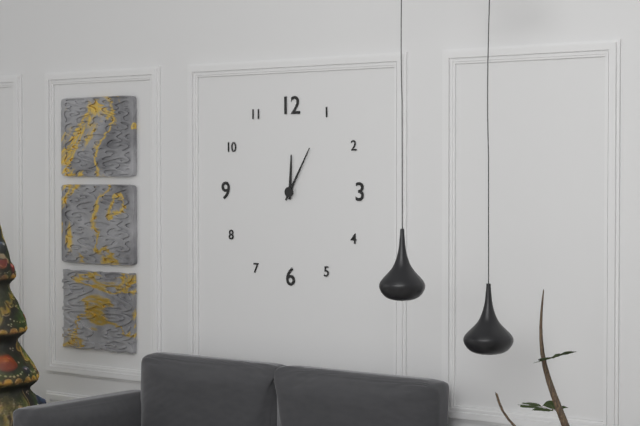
12:05
